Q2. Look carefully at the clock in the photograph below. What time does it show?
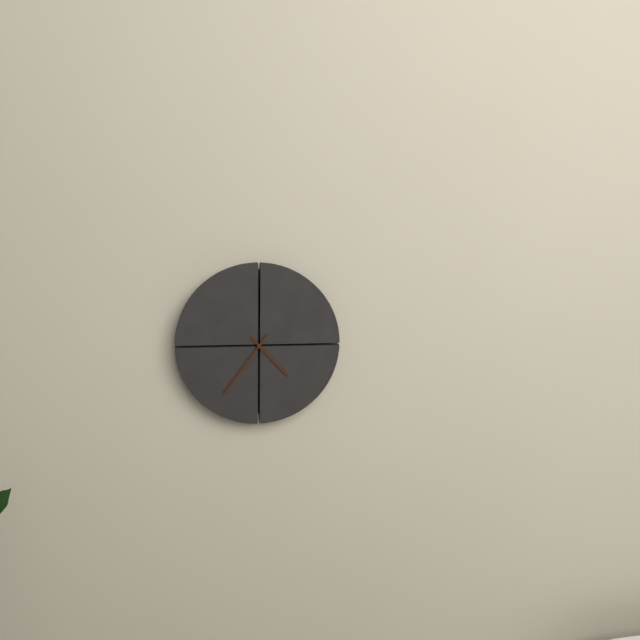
4:36
